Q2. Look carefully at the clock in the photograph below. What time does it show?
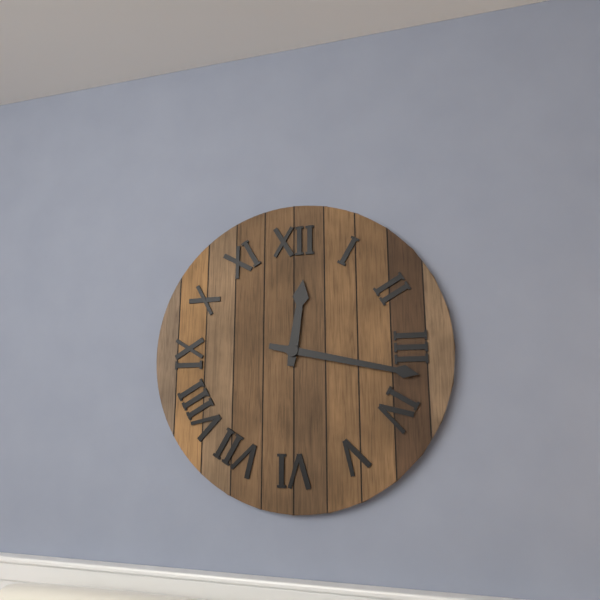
12:17
